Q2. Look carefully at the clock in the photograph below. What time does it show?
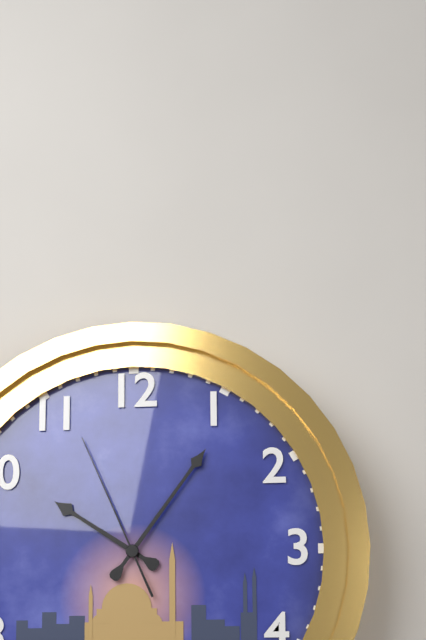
10:06:56
